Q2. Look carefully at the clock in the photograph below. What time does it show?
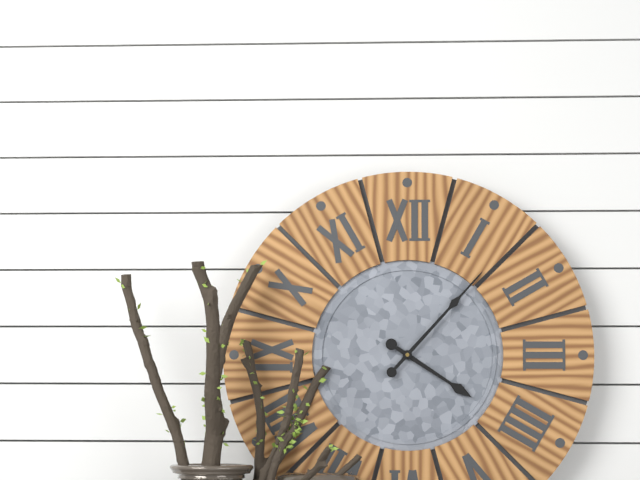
4:07
